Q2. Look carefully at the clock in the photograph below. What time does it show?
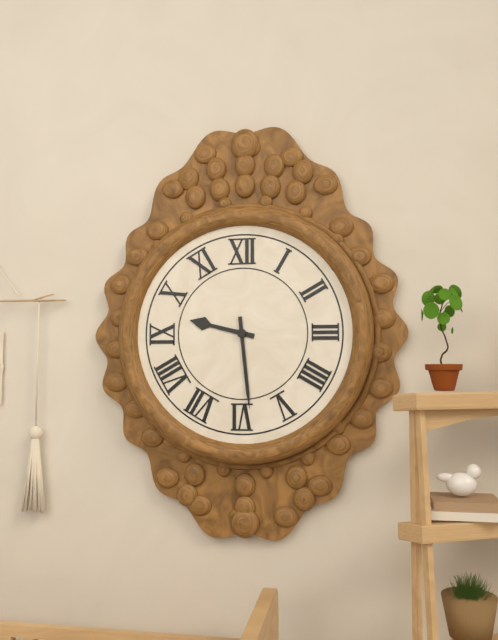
9:29
